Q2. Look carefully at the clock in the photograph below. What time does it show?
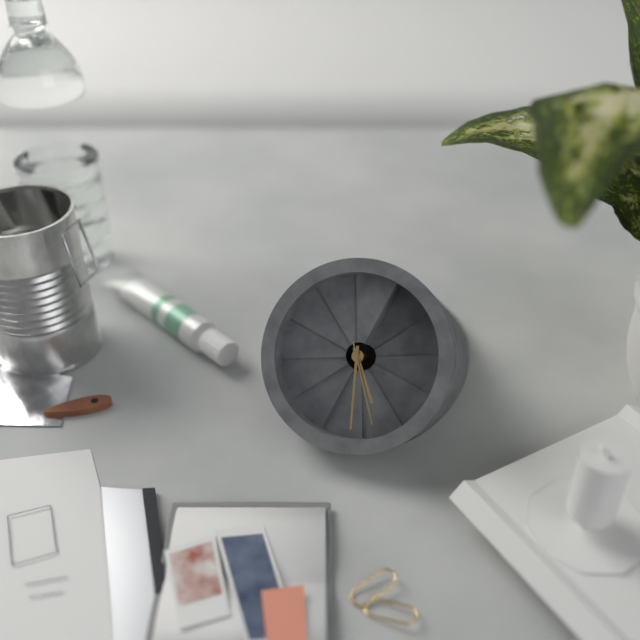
4:26:23
